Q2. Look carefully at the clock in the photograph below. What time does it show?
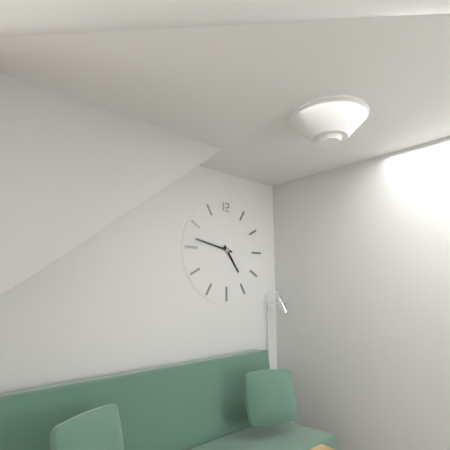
4:47
